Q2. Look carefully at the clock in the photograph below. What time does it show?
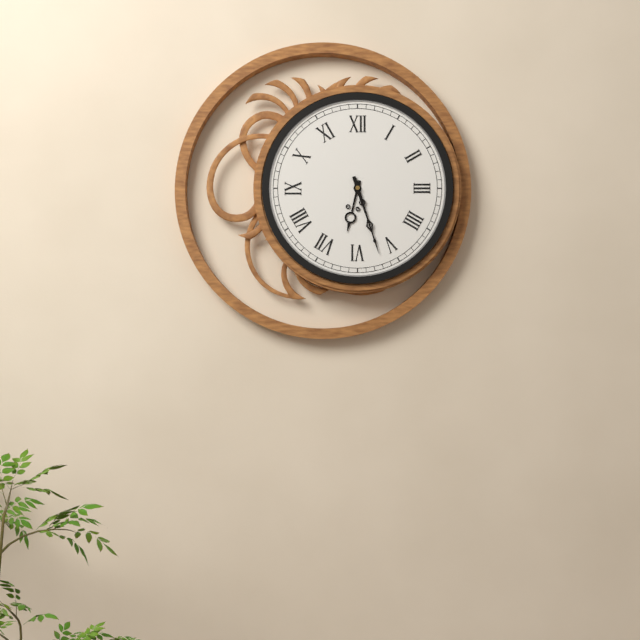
6:27
